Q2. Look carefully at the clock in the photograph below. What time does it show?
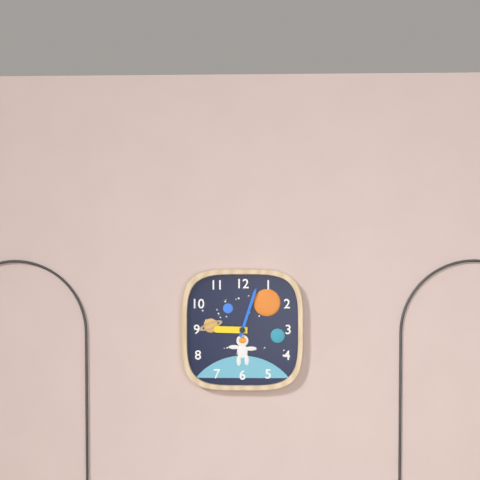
9:03
